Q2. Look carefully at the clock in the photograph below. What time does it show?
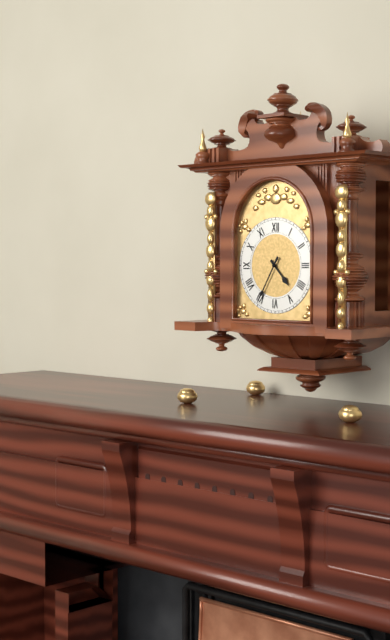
4:35
